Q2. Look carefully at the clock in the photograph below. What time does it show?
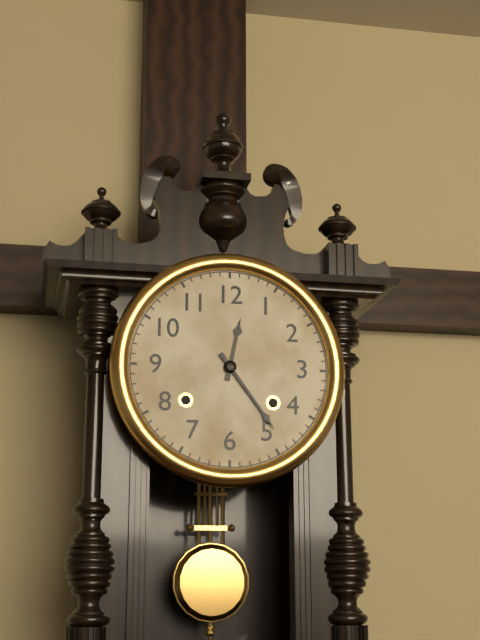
12:24
